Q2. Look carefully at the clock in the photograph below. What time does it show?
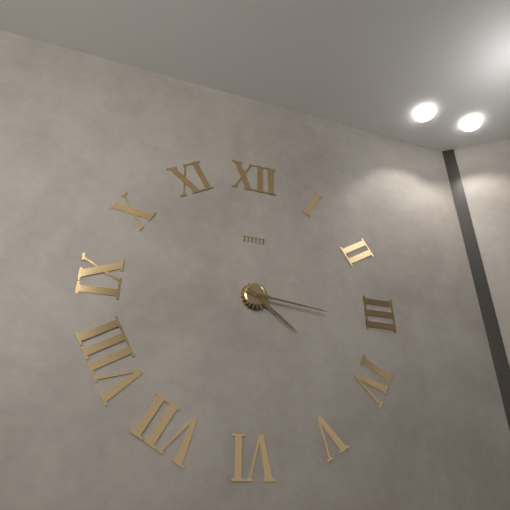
4:16
